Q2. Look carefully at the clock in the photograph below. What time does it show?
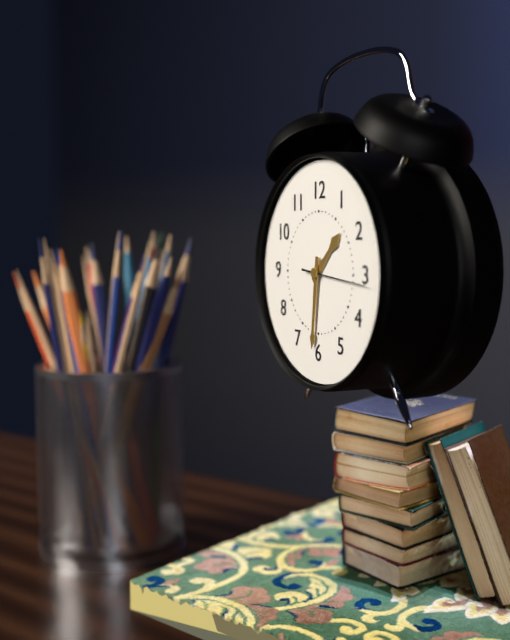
1:31:16
